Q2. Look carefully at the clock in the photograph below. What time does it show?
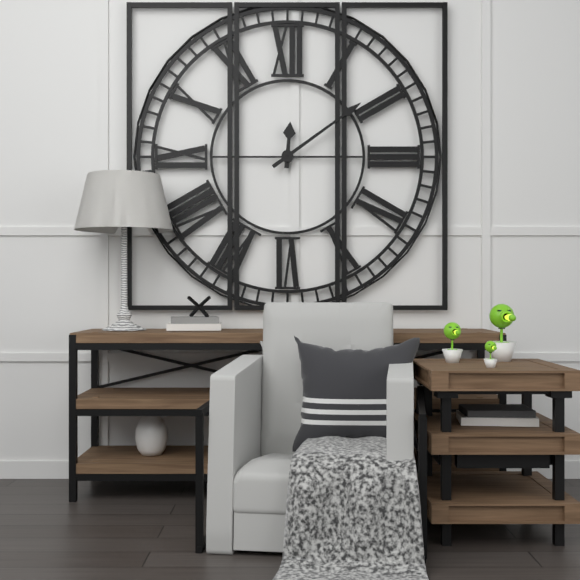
12:09
